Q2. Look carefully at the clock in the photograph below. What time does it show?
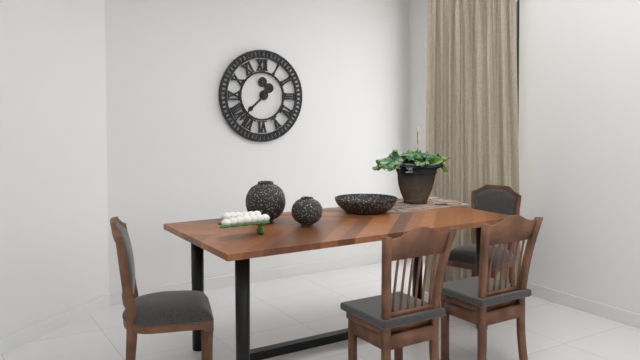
7:38
